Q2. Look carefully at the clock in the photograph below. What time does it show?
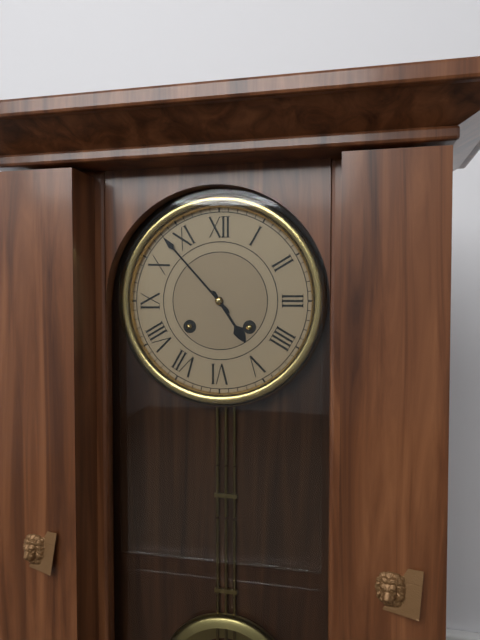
4:53
